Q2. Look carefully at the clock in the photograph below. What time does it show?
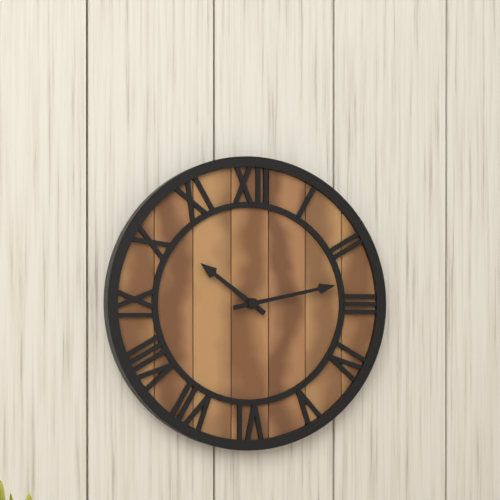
10:13
